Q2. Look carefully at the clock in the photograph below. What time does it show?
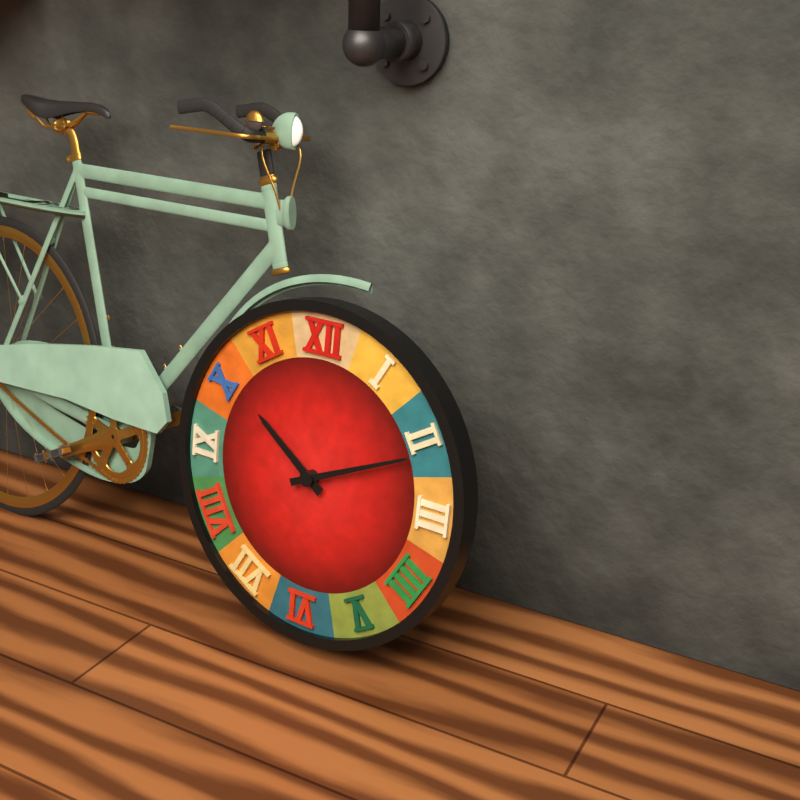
10:11
